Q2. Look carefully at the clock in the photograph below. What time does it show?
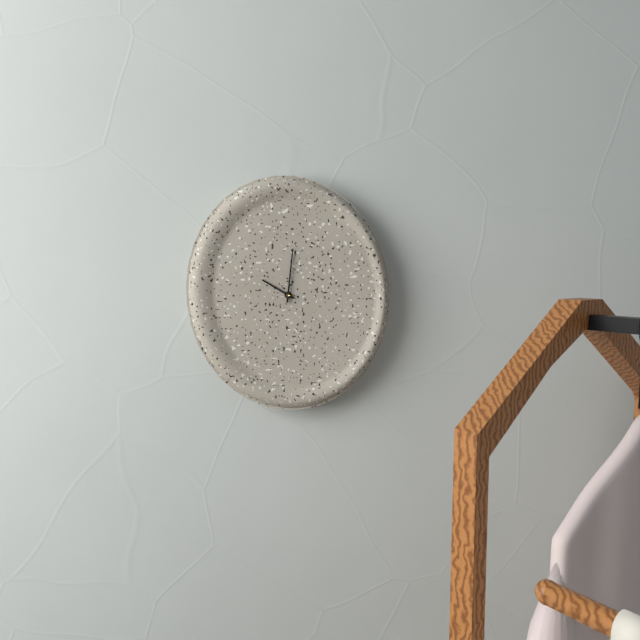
10:01
